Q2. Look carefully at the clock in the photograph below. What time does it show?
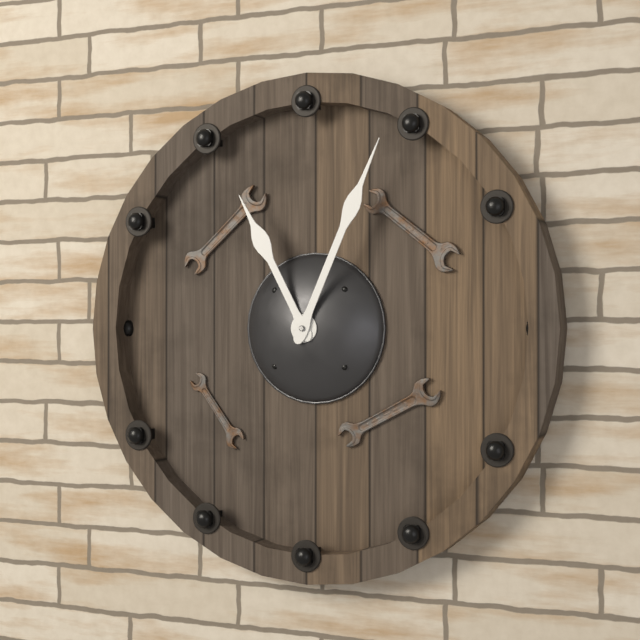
11:04
